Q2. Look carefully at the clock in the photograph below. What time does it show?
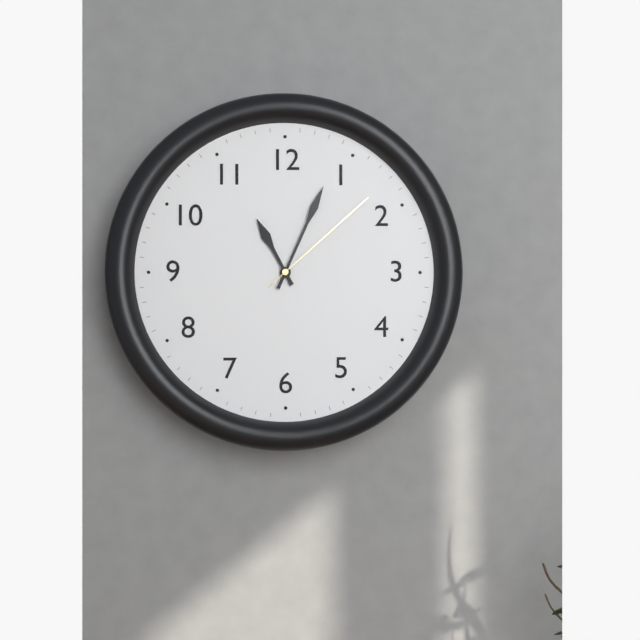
11:04:08
